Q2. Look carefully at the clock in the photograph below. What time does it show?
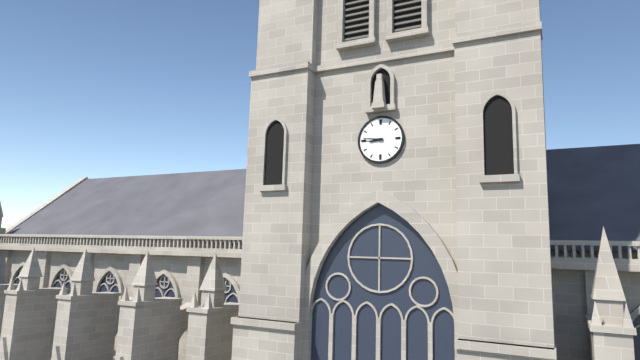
8:46
